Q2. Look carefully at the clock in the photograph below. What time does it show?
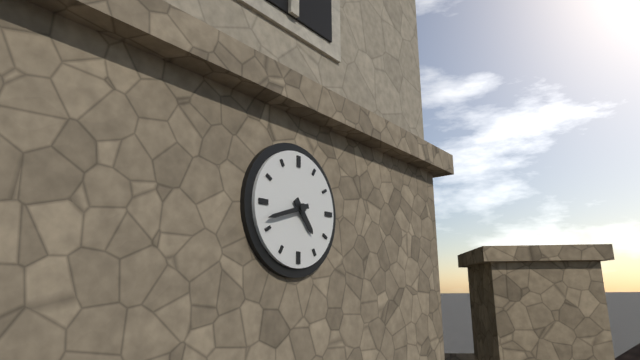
4:42
